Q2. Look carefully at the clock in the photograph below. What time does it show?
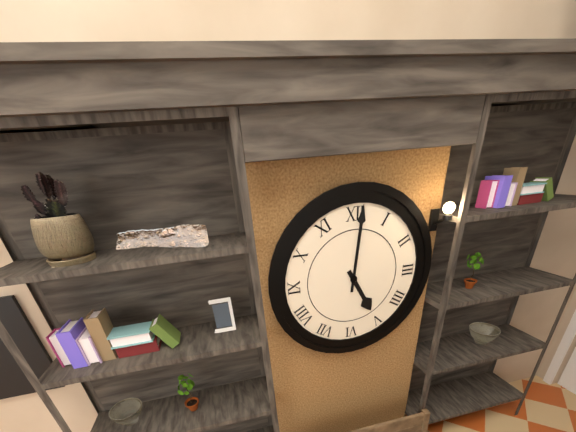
5:01
